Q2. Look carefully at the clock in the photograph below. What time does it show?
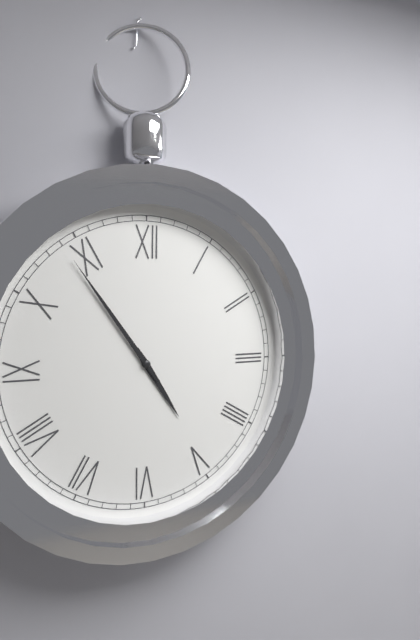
4:54
